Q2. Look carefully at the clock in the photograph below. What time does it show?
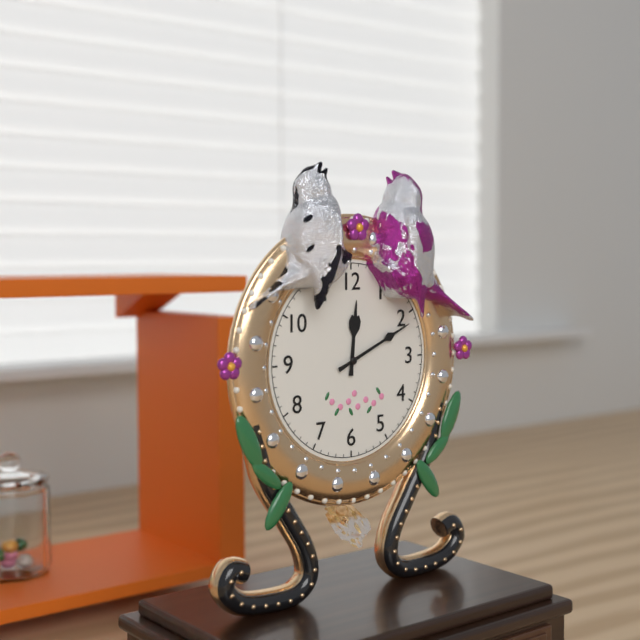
12:11
